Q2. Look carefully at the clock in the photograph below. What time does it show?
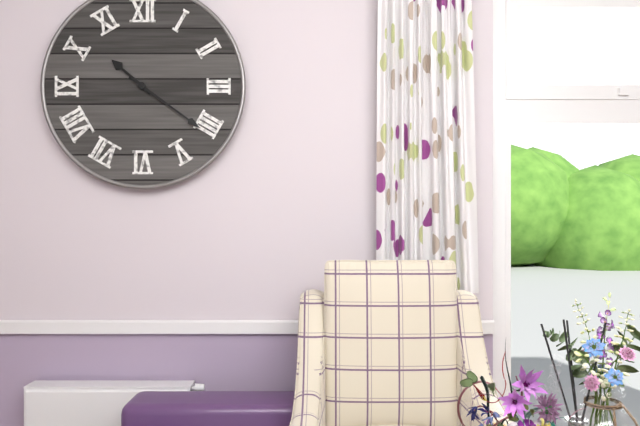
10:21
